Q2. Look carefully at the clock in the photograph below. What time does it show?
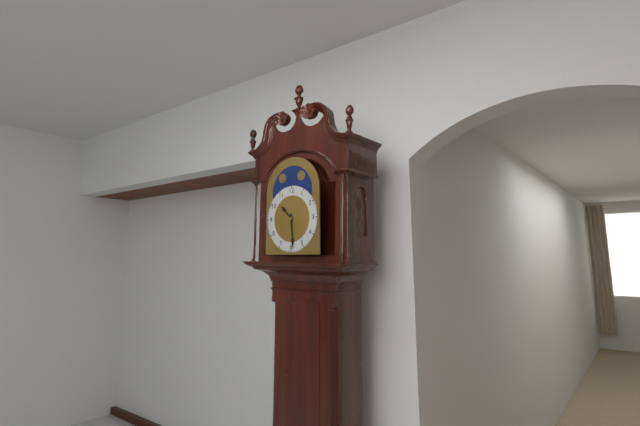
10:29
